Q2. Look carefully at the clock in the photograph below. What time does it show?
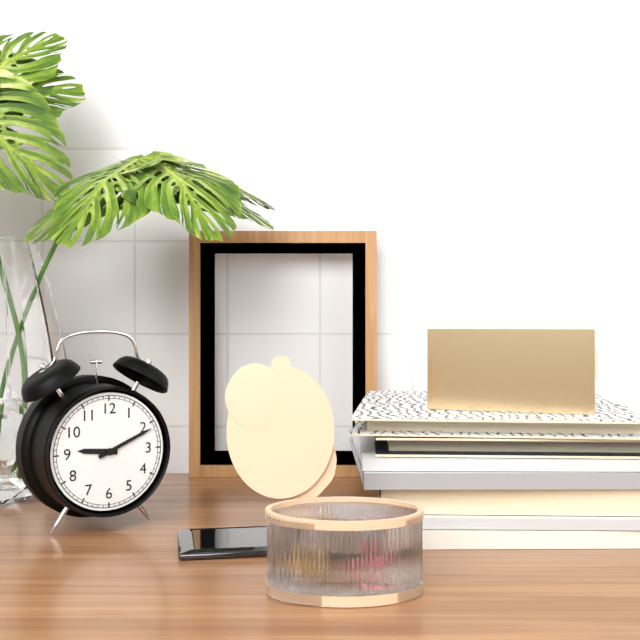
9:11
